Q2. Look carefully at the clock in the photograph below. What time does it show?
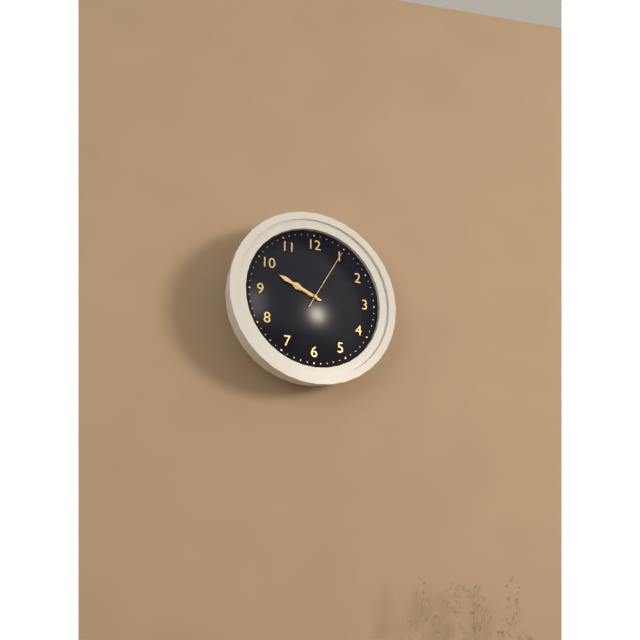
9:49:05
